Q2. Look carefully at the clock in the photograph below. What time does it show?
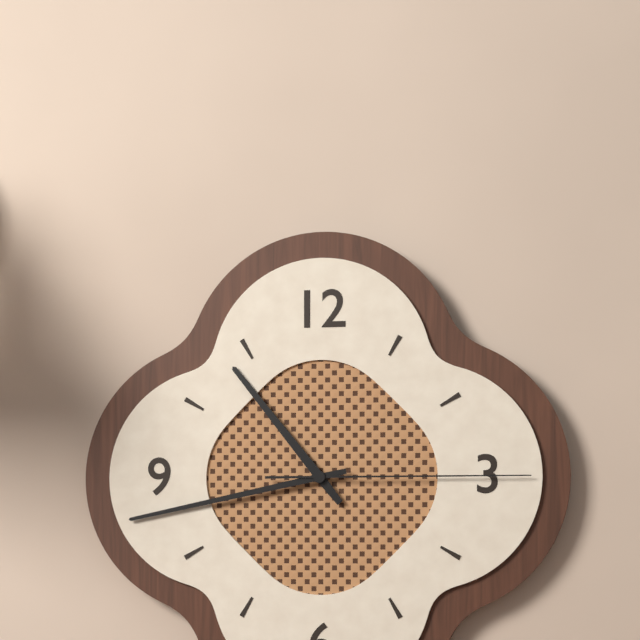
10:43:15
